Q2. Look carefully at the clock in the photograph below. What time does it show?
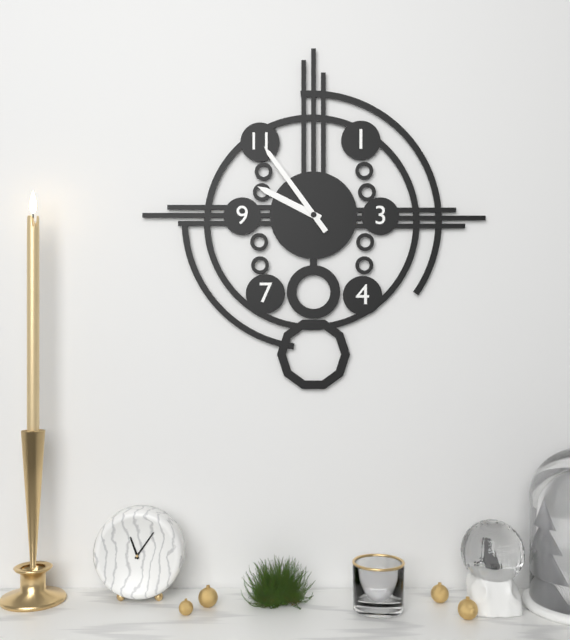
9:54
